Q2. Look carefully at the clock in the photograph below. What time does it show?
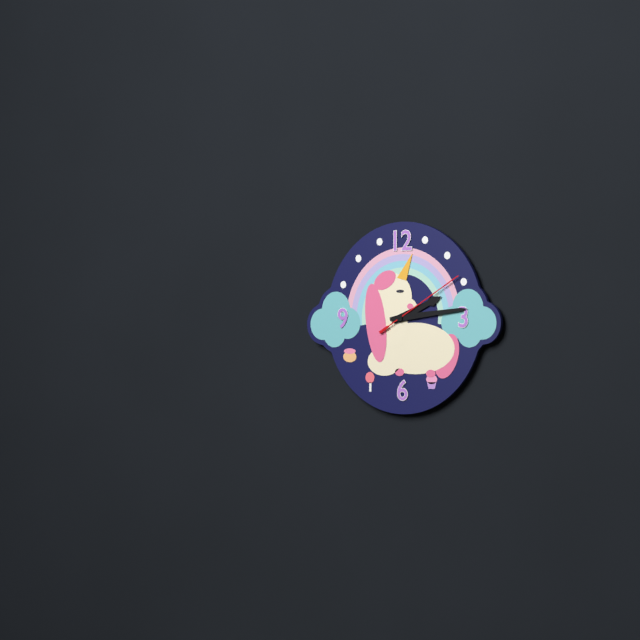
2:14:10
